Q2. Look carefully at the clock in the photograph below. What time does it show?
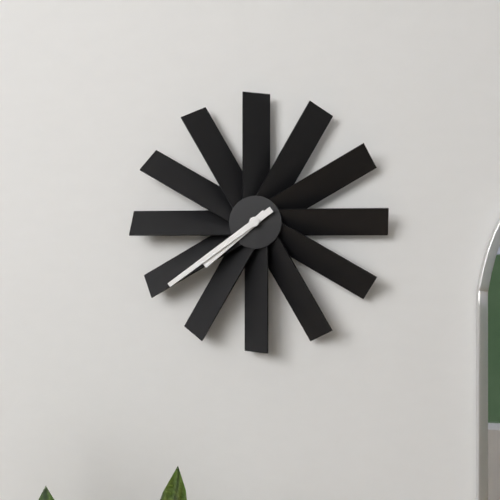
7:39
